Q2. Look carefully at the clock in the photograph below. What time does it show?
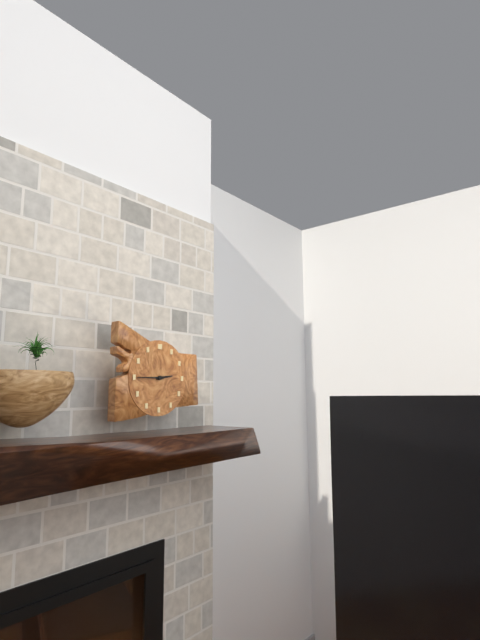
2:45
